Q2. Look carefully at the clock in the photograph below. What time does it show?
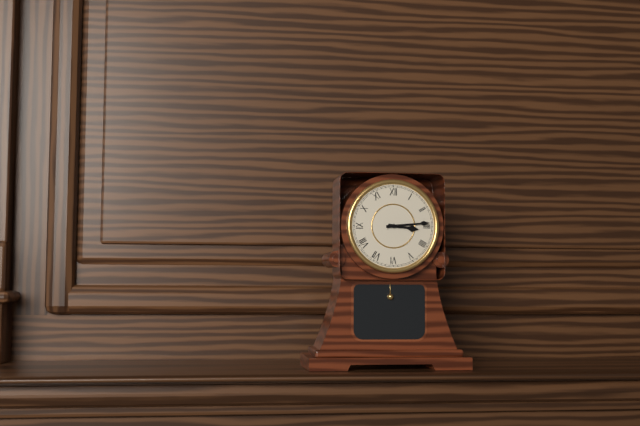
3:14
